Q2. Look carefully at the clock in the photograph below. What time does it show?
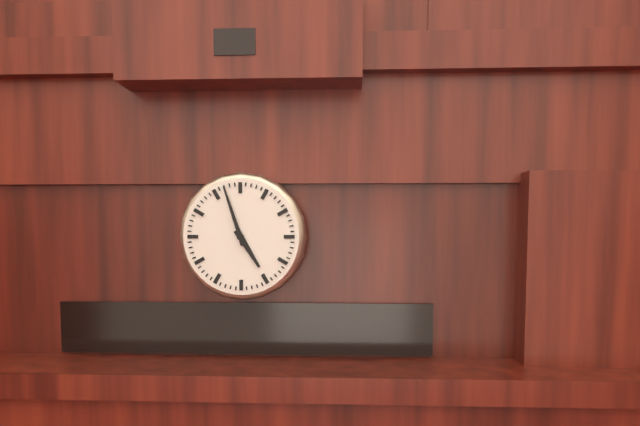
4:57
